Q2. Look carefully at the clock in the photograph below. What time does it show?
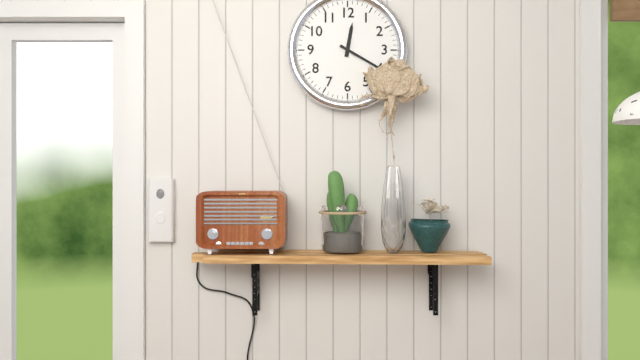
12:20
